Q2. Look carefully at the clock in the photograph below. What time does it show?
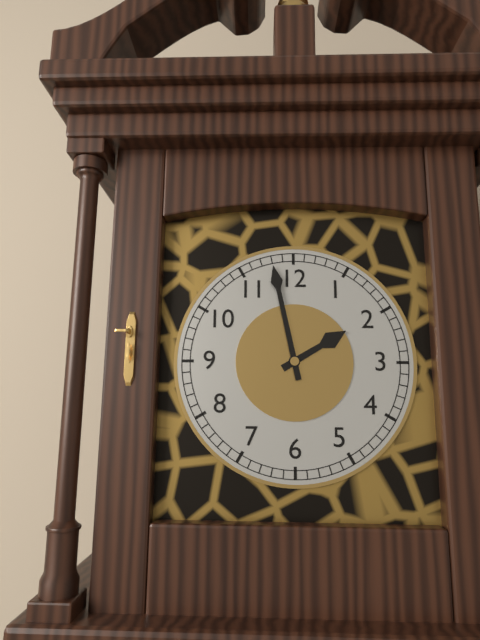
1:58
